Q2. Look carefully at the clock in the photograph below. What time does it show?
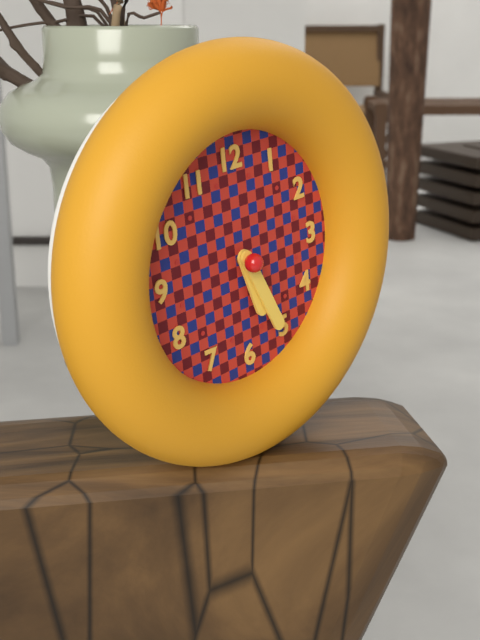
5:26
